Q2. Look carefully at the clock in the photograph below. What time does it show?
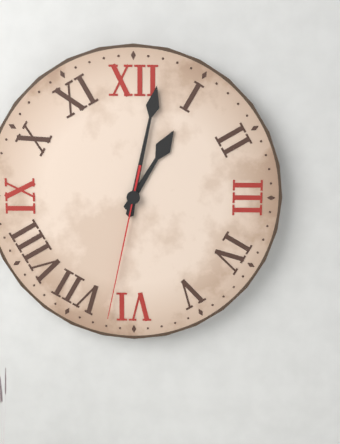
1:02:32
